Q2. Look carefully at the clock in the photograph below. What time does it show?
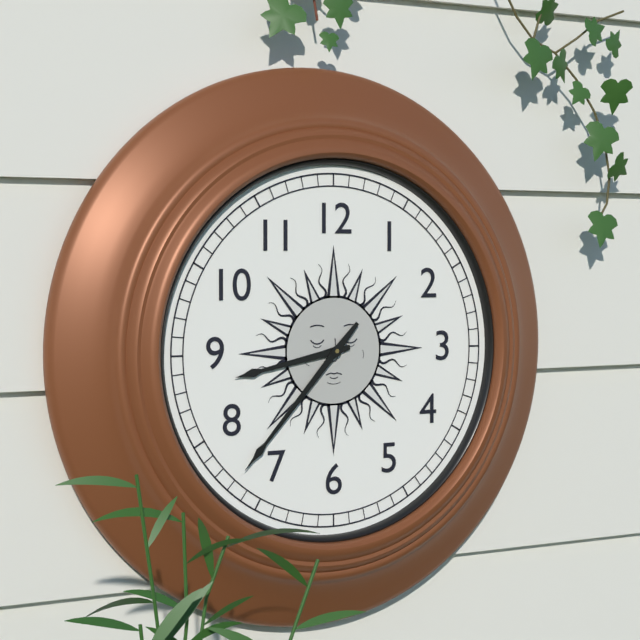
8:37
